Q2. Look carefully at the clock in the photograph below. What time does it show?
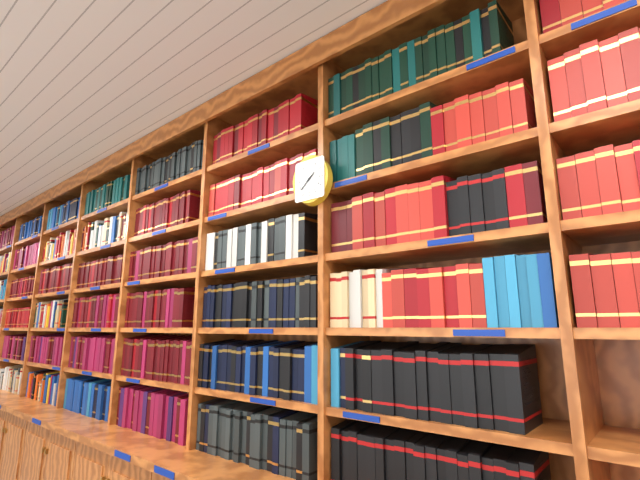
1:38
